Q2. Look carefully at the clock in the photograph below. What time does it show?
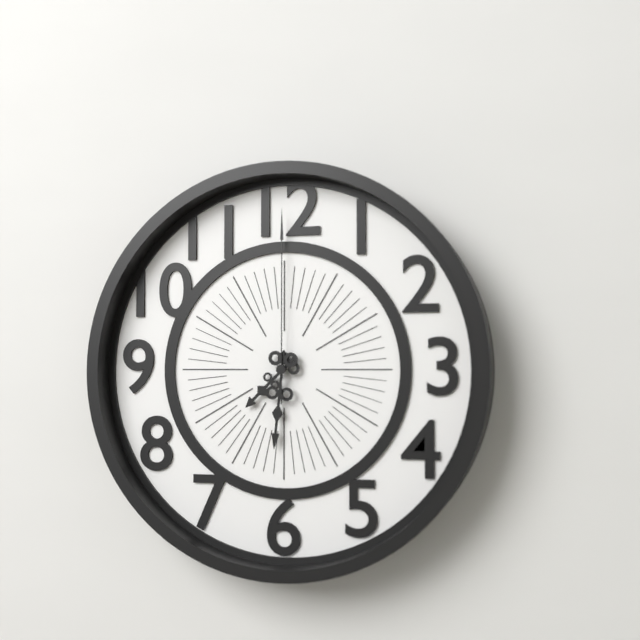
7:31:00
